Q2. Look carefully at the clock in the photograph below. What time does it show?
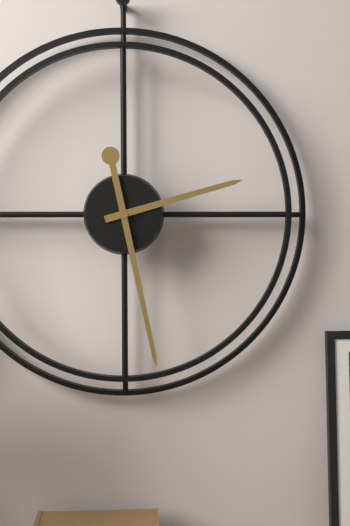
2:28
